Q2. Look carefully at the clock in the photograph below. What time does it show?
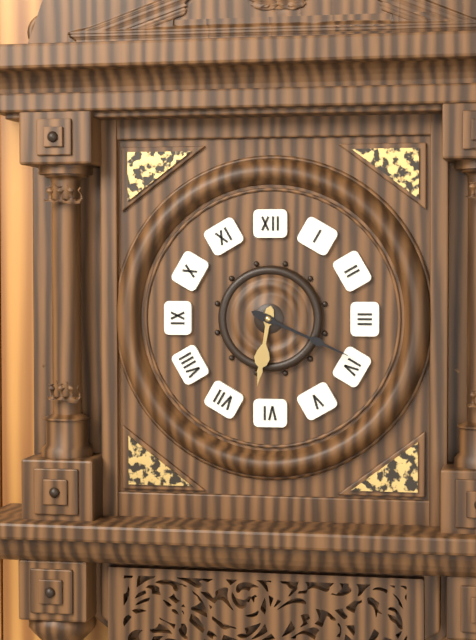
6:19
